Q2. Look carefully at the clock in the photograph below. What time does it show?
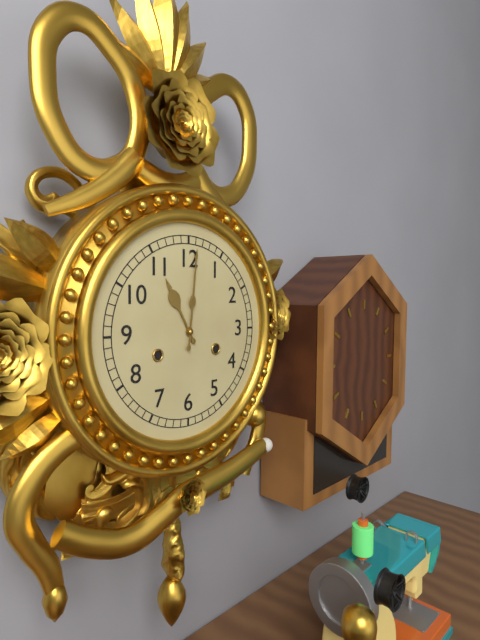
11:01
